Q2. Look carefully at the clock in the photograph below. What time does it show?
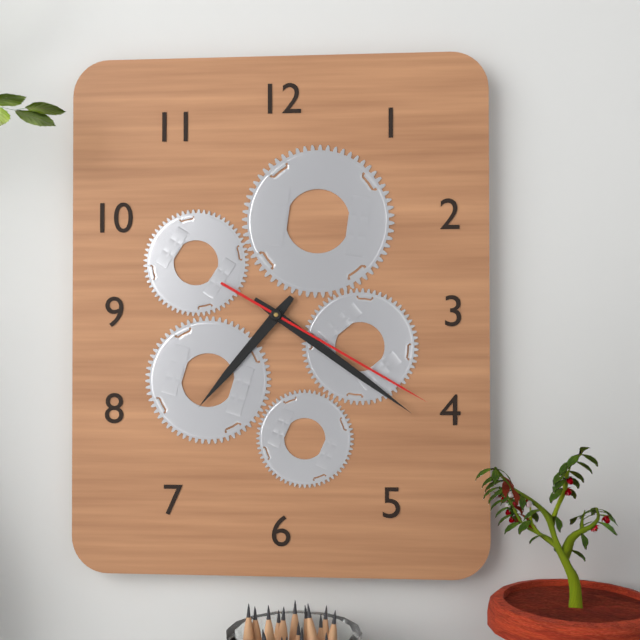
7:21:20
